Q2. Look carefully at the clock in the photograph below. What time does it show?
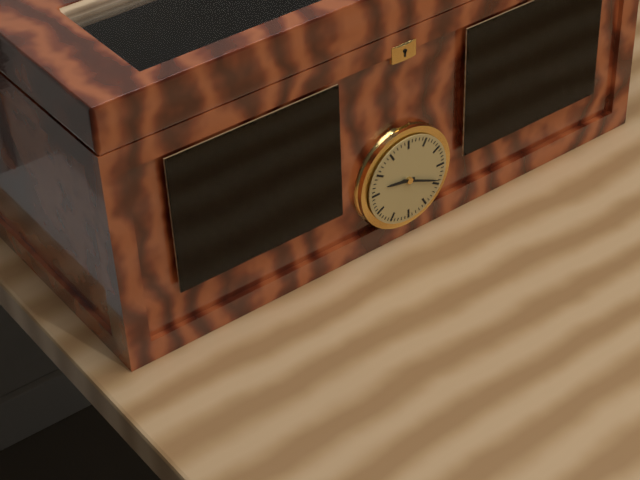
9:19
